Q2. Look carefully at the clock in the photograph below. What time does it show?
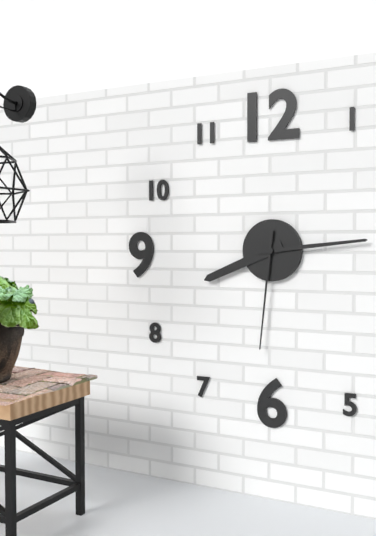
8:14:31
